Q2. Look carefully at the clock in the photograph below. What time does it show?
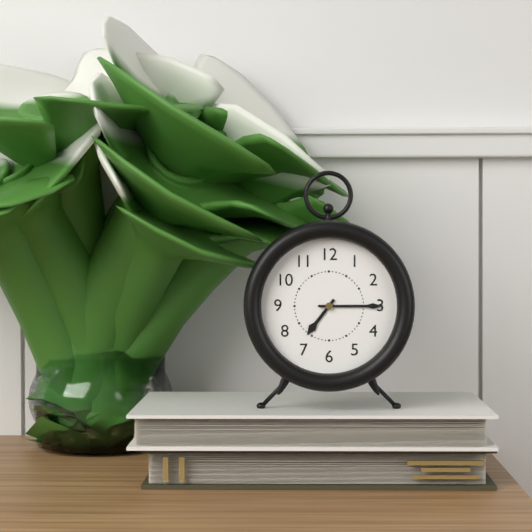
7:15
